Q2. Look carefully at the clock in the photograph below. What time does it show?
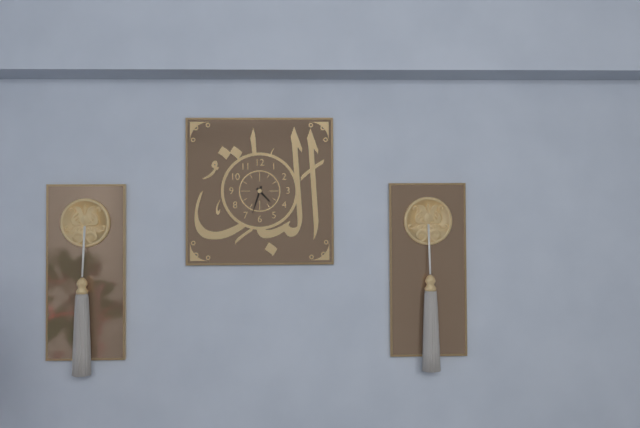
4:33
